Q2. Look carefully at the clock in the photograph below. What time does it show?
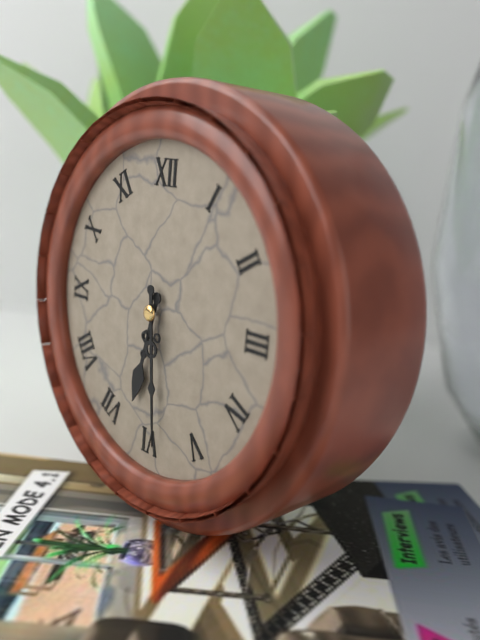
6:29
